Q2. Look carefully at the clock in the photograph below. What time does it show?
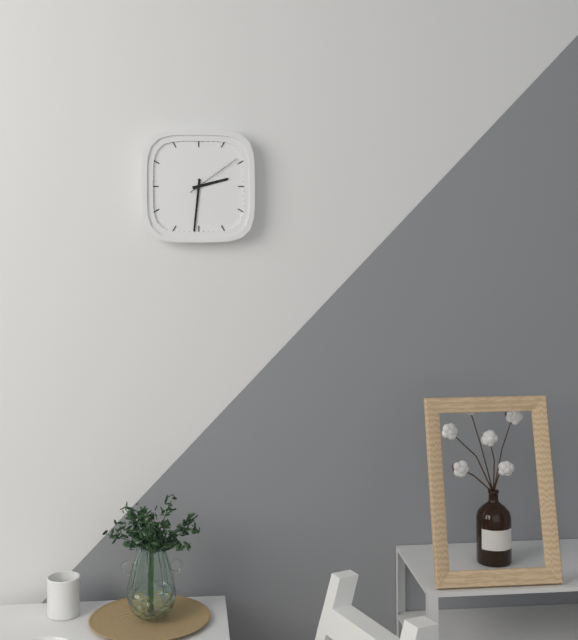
2:31:09
